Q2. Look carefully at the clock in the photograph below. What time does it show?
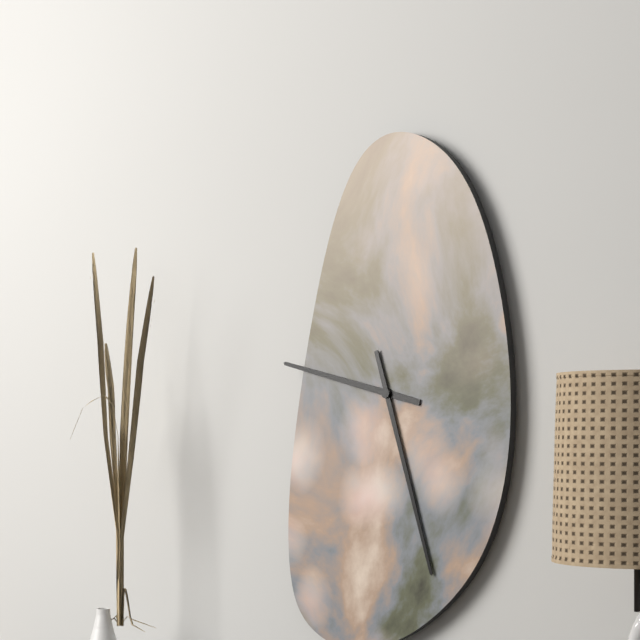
9:27
